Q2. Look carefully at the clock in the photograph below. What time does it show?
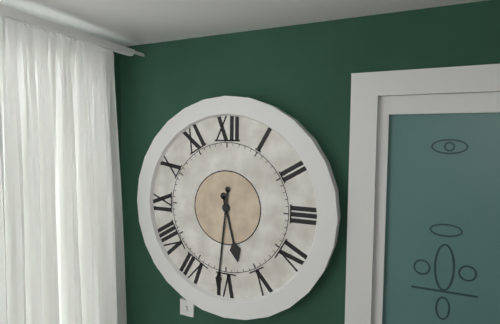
5:31
